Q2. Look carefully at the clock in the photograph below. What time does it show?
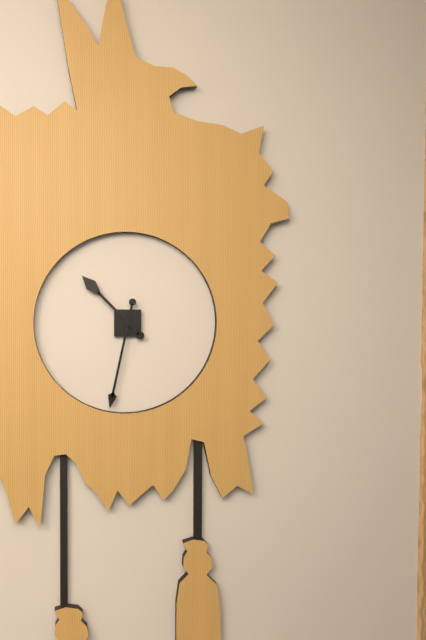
10:32
